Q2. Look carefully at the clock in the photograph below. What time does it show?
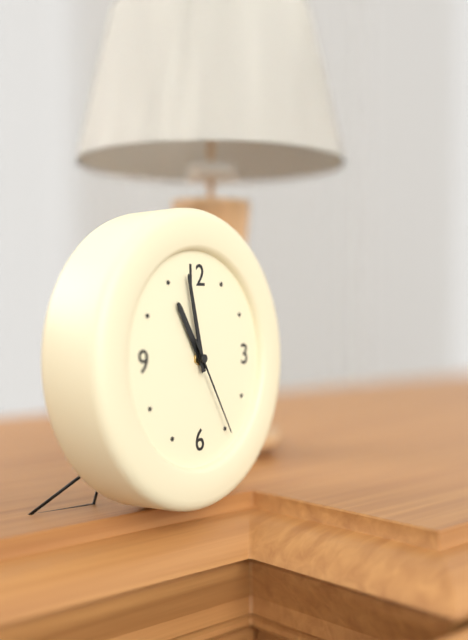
10:58:25
